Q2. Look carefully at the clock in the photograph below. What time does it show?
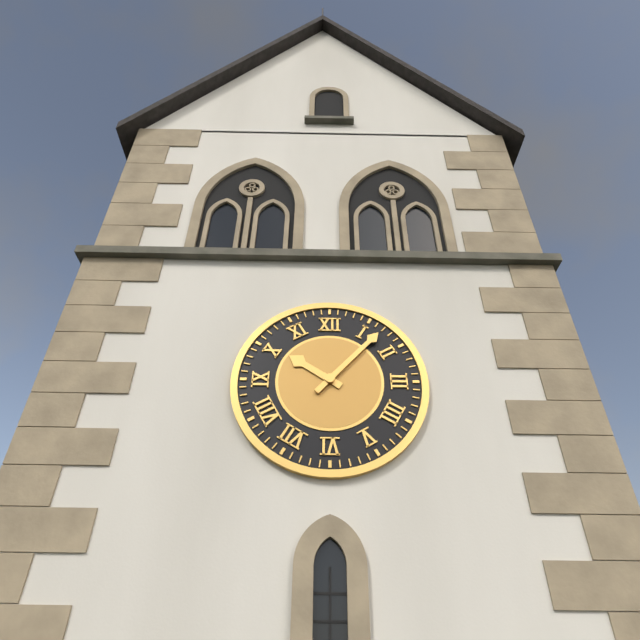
10:07
